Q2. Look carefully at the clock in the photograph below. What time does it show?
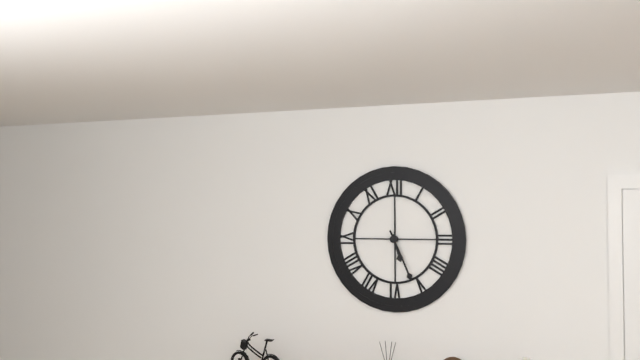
5:26
